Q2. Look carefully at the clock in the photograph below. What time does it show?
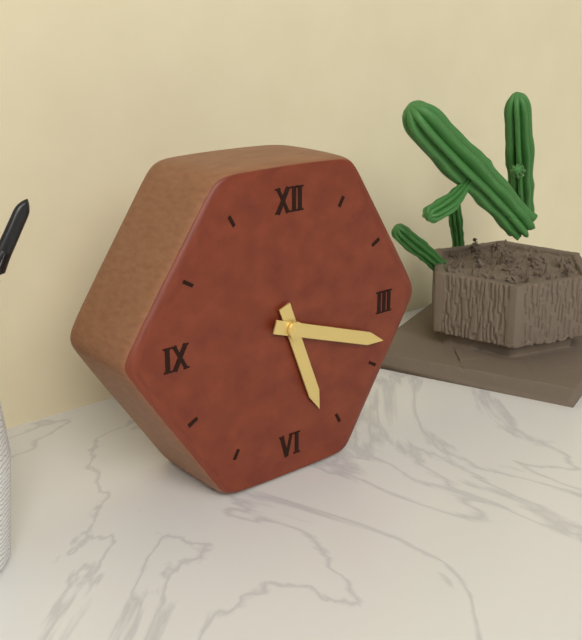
5:18
